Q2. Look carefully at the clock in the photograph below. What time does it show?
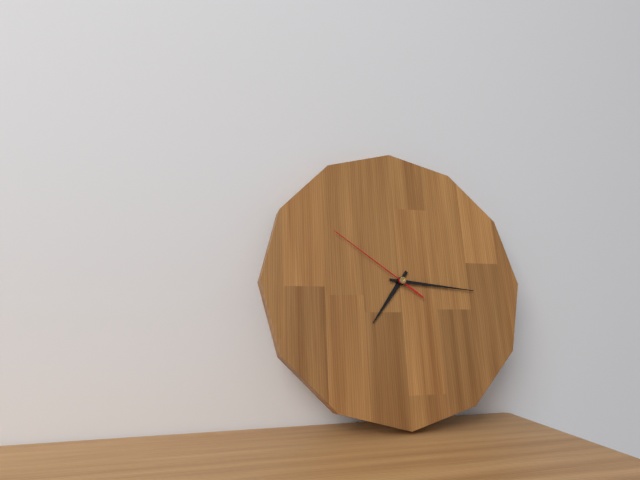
7:16:51
